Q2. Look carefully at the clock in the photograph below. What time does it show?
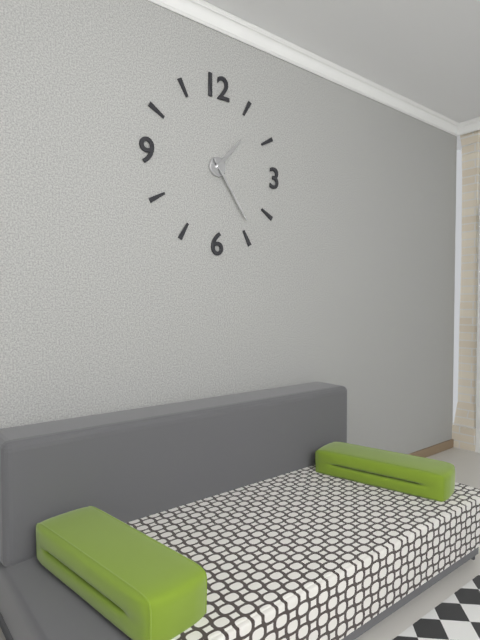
1:24
